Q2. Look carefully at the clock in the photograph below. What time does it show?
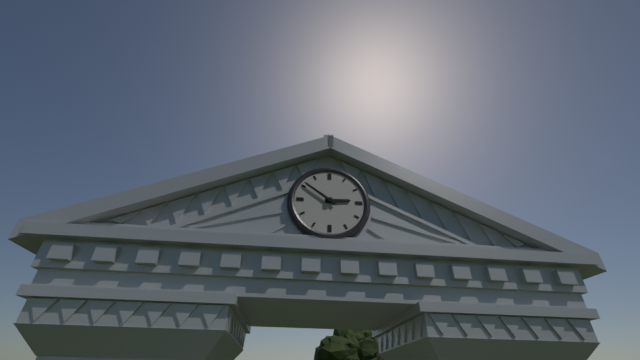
2:51
